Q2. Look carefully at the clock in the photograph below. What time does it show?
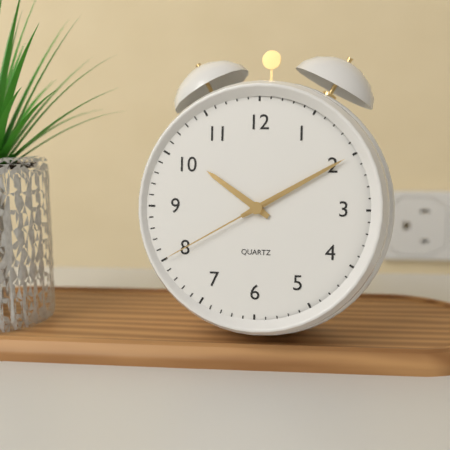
10:10:40
